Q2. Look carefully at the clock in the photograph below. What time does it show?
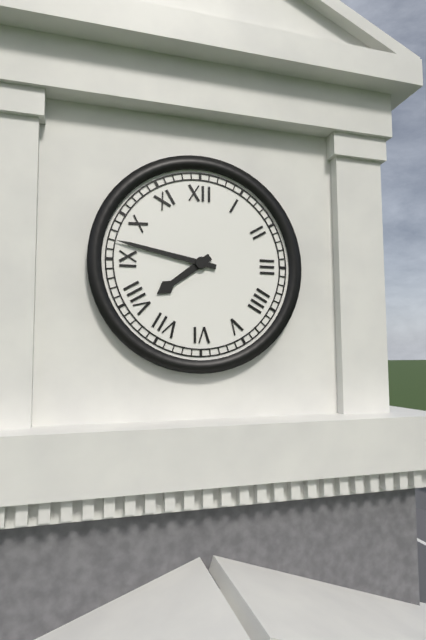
7:47
